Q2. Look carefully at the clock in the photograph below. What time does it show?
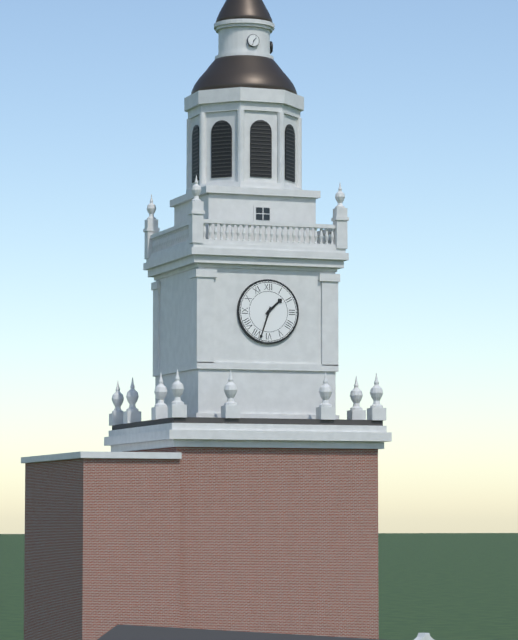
1:33
